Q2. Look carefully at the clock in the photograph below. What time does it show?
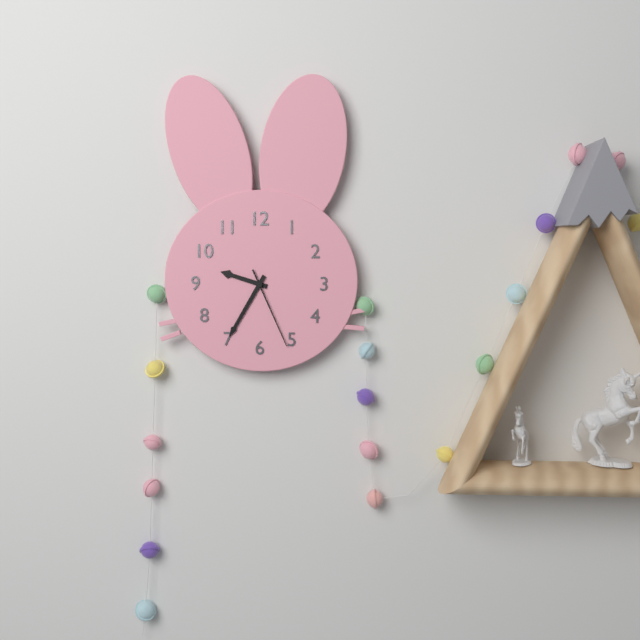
9:35:26
